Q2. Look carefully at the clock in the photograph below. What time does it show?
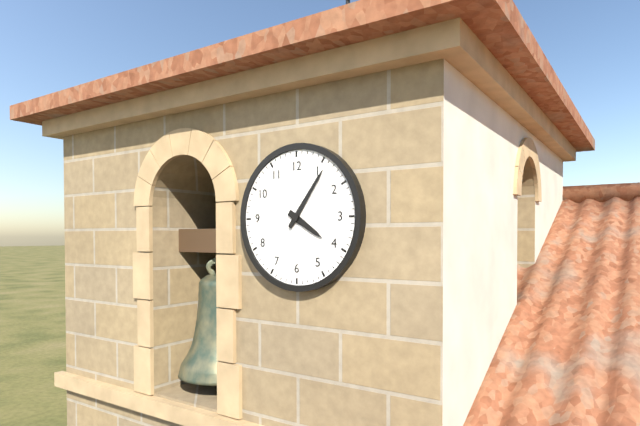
4:06
